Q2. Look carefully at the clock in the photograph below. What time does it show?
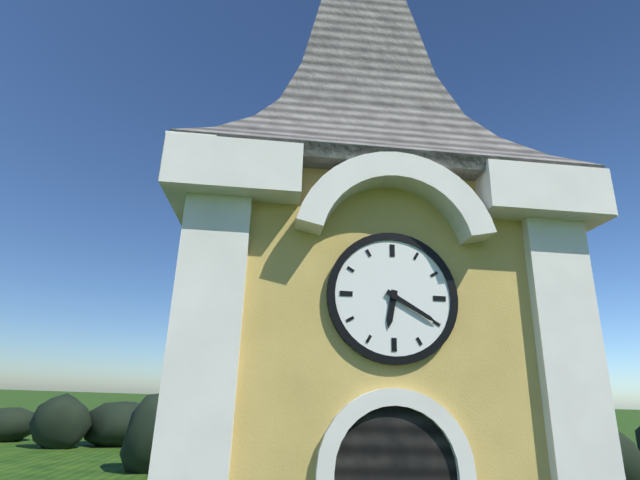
6:20
